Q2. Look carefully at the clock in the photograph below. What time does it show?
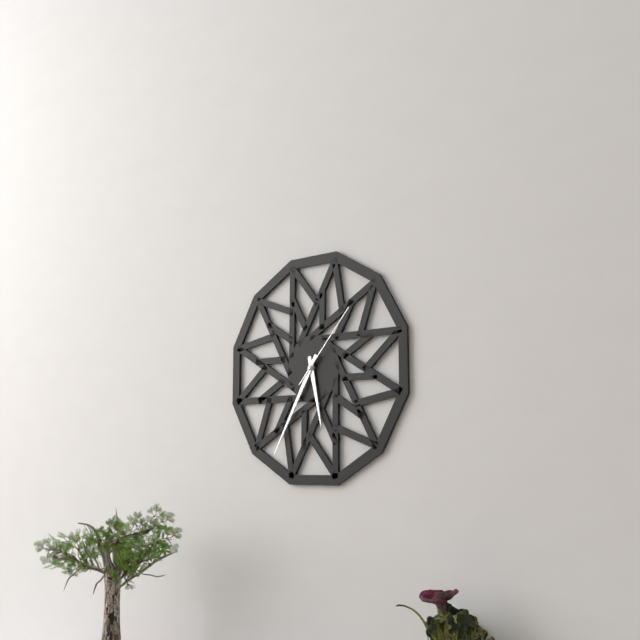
5:35:07
